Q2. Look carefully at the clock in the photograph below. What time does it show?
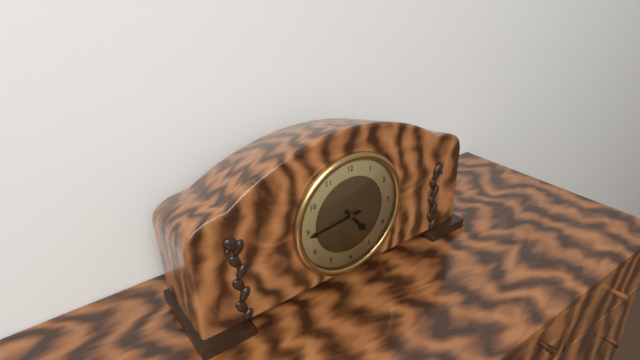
4:44
